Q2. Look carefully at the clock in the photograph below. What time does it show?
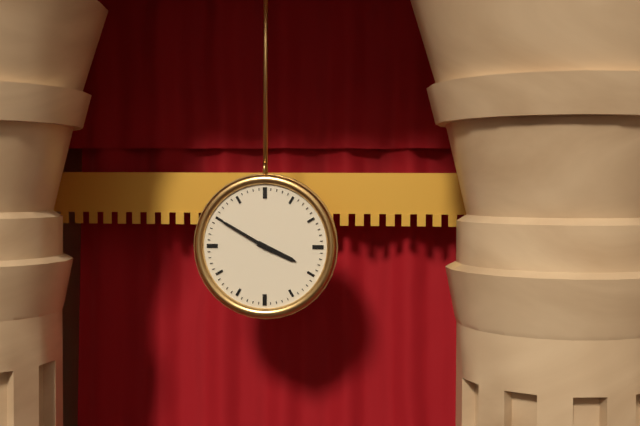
3:50
